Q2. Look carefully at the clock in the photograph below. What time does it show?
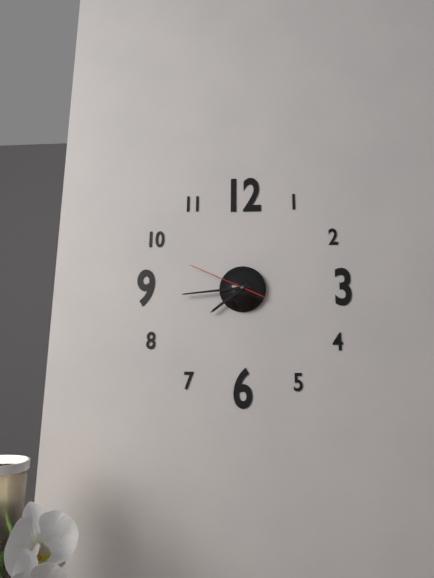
7:44:49
